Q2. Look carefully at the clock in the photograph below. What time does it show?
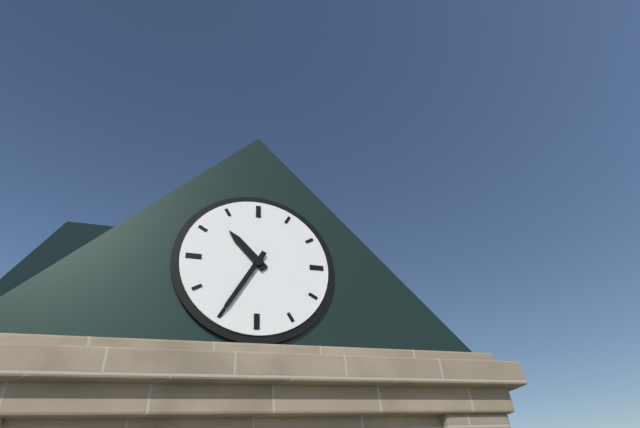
10:35
